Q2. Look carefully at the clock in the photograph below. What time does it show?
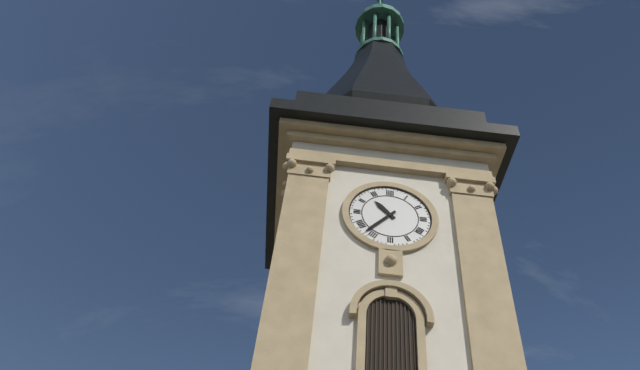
10:37
